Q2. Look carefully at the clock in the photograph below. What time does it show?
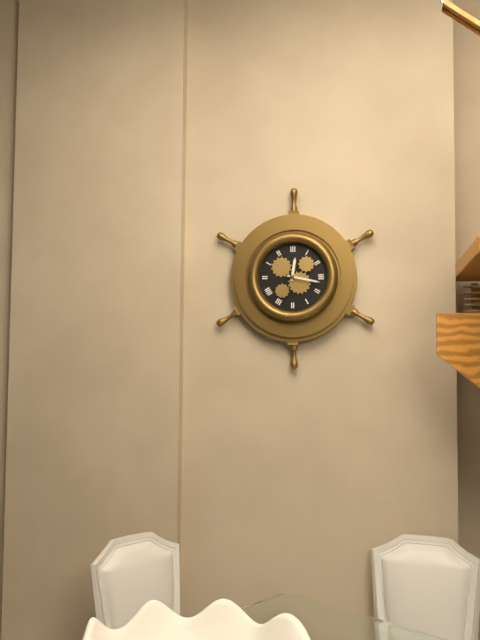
12:17
